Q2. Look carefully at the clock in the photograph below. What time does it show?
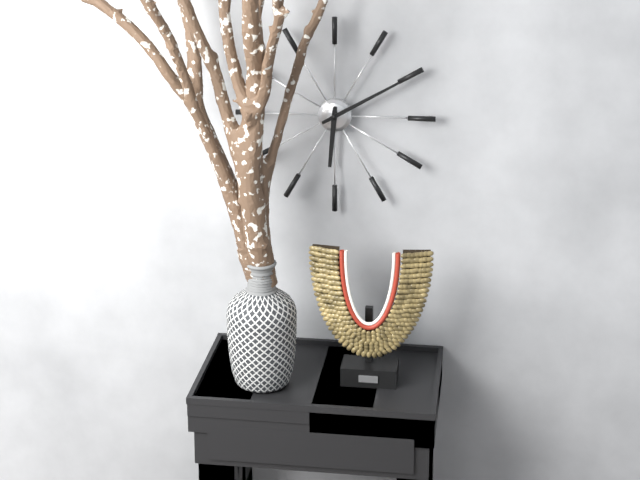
6:10
